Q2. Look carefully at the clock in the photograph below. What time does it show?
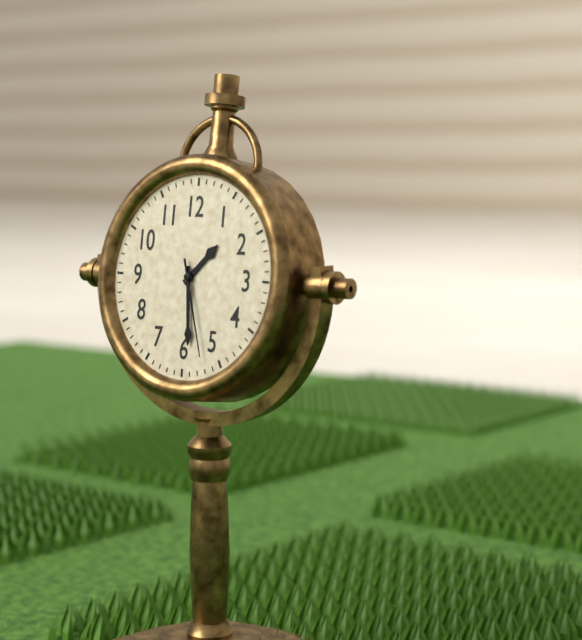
1:29:27
